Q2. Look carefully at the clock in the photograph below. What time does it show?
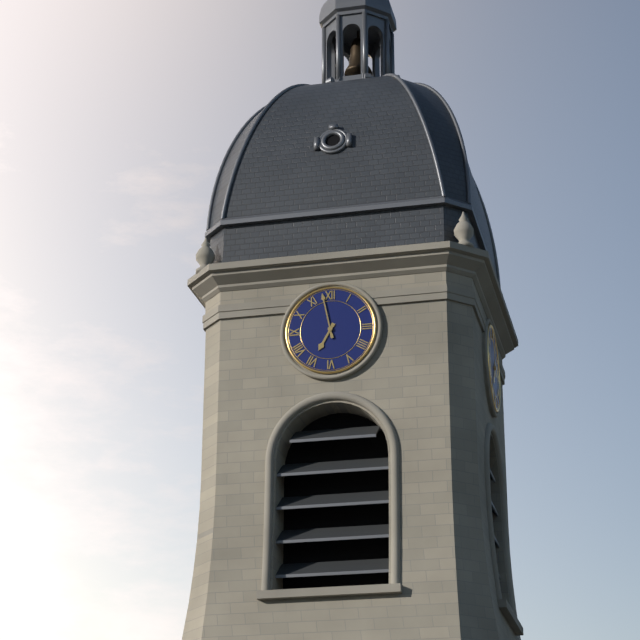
6:58
